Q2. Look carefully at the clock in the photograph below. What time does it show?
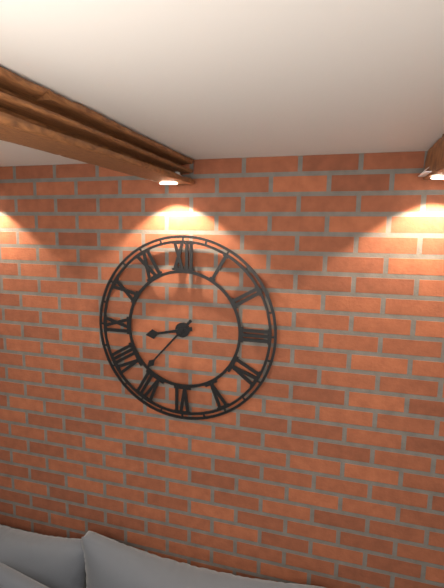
8:37
